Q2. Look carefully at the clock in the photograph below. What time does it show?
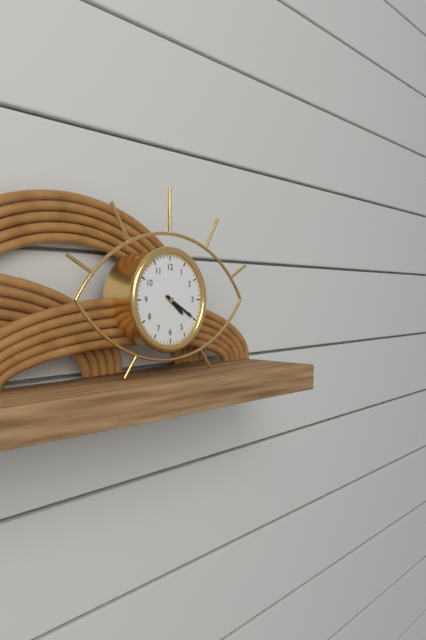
4:20
